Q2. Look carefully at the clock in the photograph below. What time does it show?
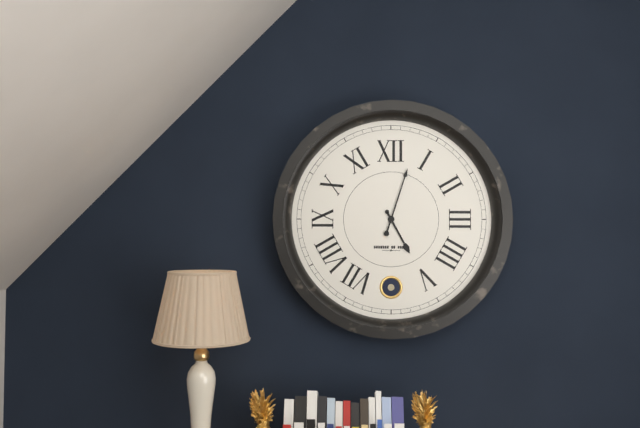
5:03
